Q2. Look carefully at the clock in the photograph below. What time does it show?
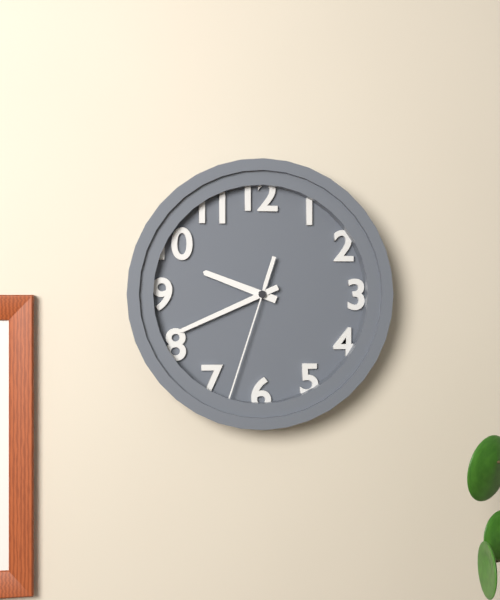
9:41:33
